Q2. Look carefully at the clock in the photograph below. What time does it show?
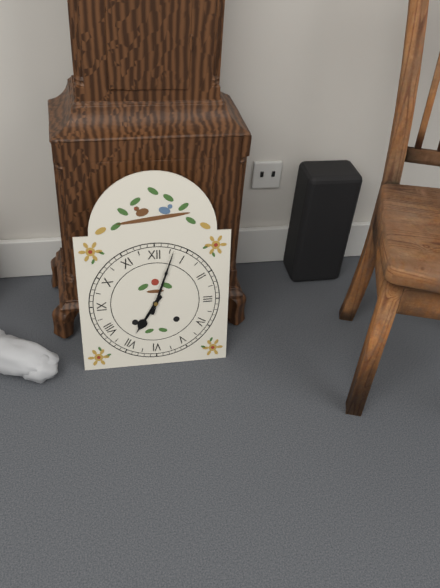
7:03
